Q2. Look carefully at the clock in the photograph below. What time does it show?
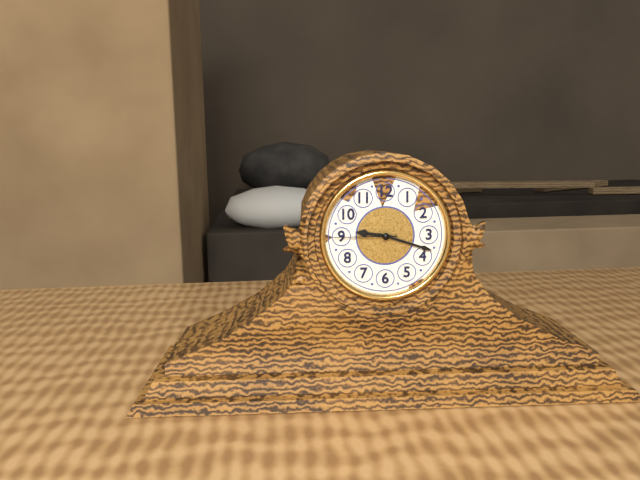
9:18:45
